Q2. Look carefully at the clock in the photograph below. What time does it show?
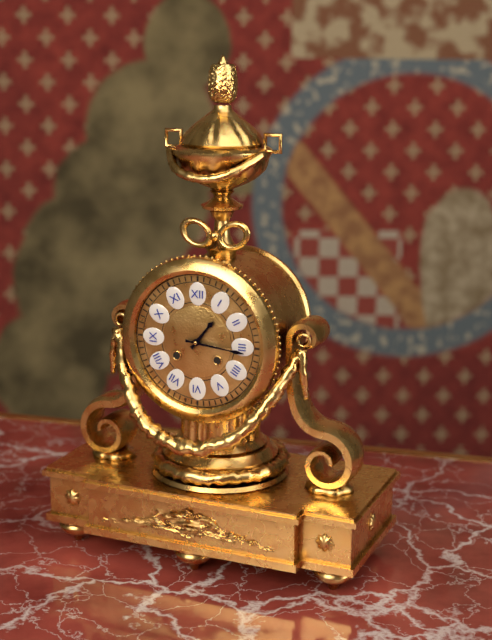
1:16
